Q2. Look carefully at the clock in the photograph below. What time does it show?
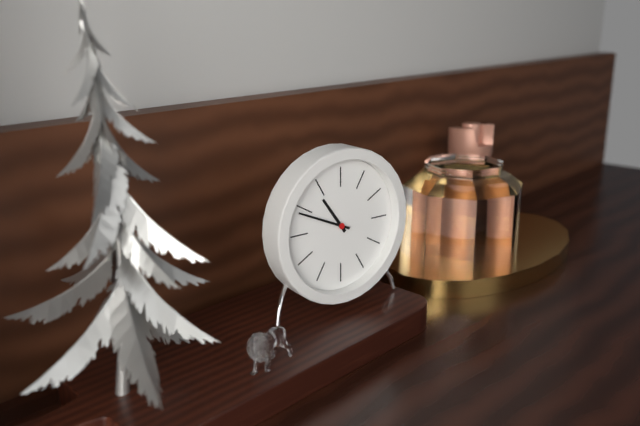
10:49
